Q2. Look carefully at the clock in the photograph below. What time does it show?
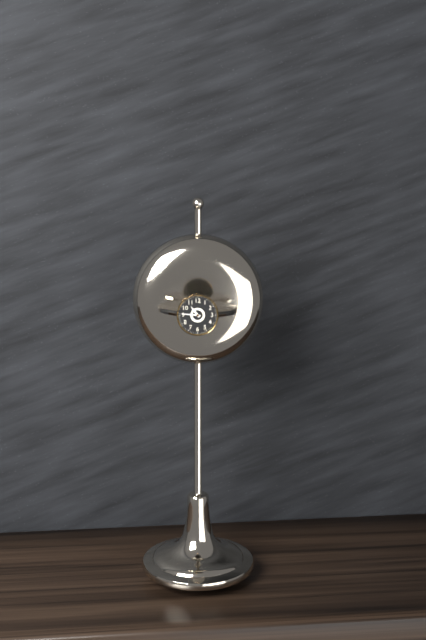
10:46
